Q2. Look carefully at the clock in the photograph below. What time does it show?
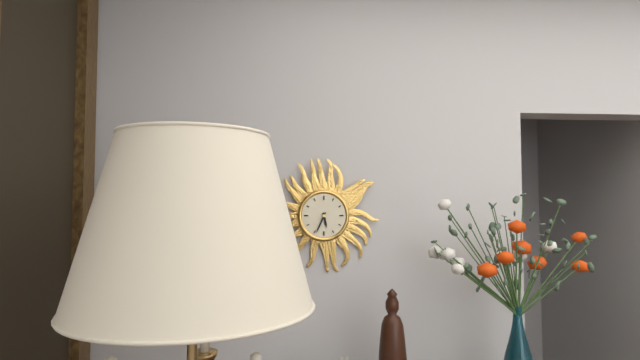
5:34
